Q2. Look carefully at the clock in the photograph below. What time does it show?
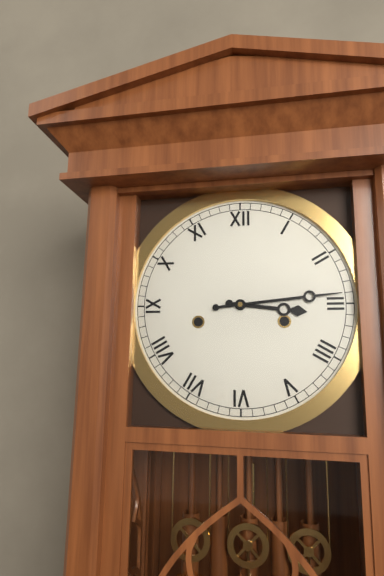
3:14
